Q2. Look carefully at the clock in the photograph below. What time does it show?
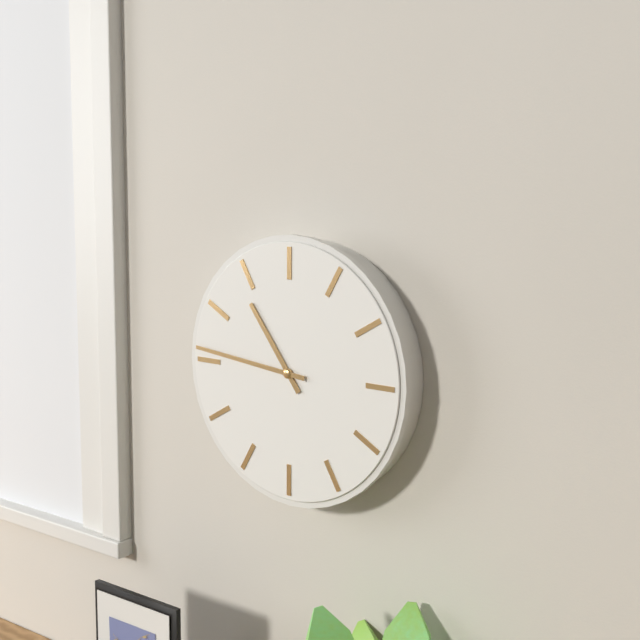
10:46
